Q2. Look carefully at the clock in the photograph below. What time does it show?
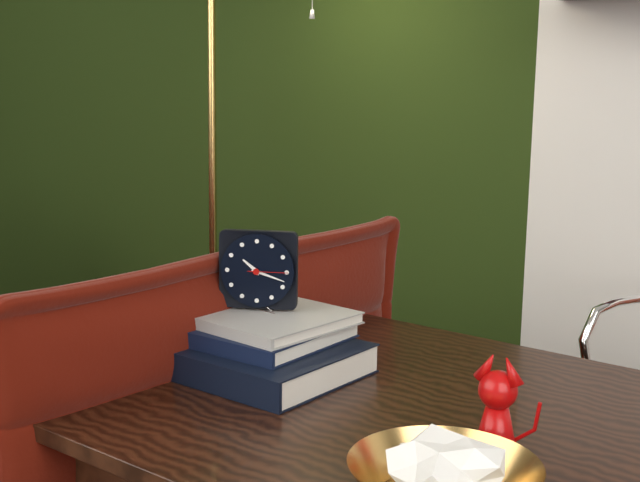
10:18
